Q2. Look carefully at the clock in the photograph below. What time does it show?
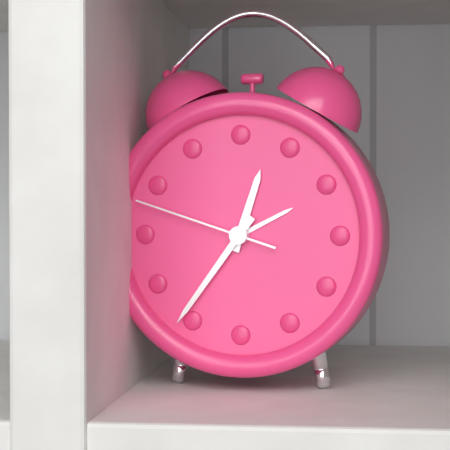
12:36:48
